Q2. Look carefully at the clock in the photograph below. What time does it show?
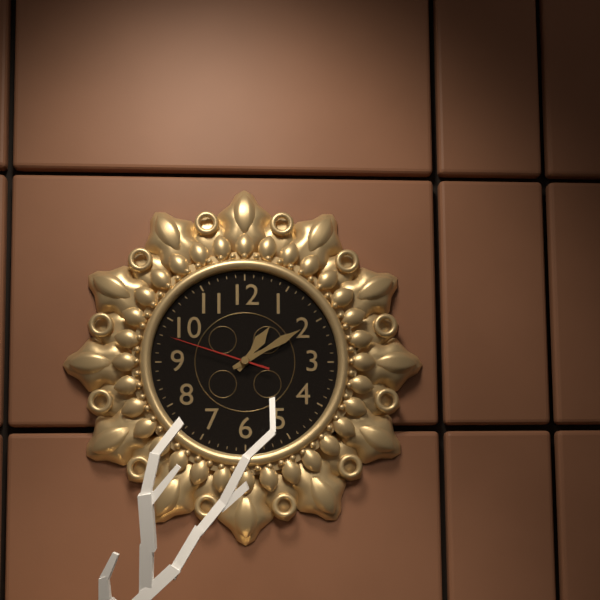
1:10:48
